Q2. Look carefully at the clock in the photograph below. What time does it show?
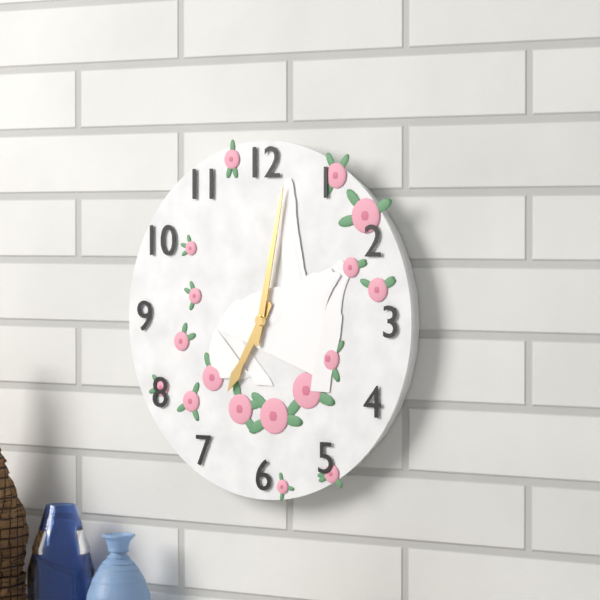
7:02
